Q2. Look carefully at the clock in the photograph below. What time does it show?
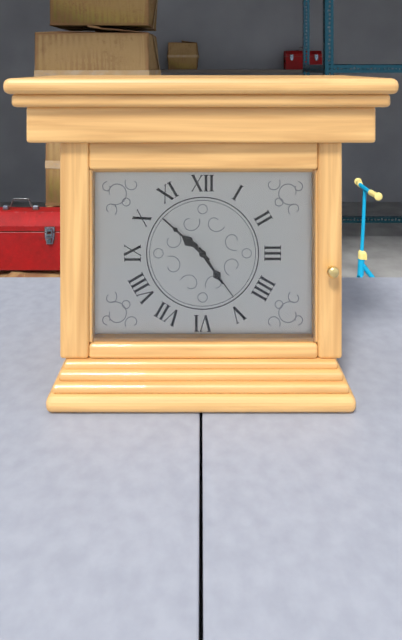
4:52:24
